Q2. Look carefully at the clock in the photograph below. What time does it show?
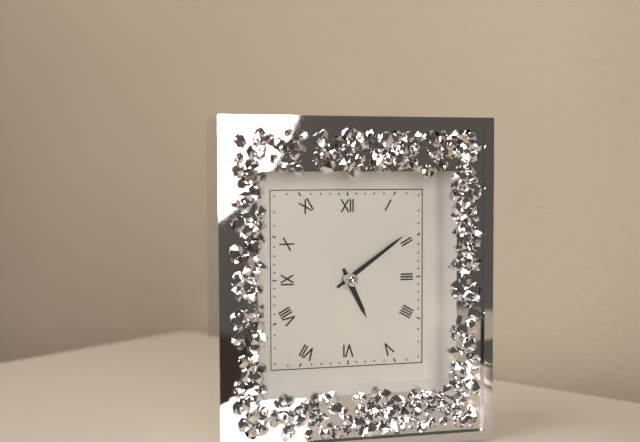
5:09
